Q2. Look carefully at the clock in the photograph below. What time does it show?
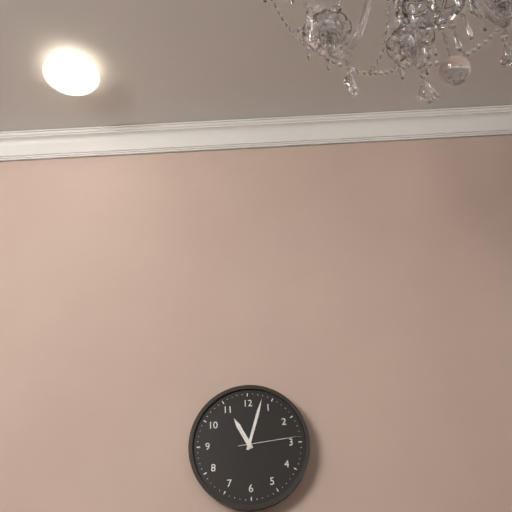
11:03:14
